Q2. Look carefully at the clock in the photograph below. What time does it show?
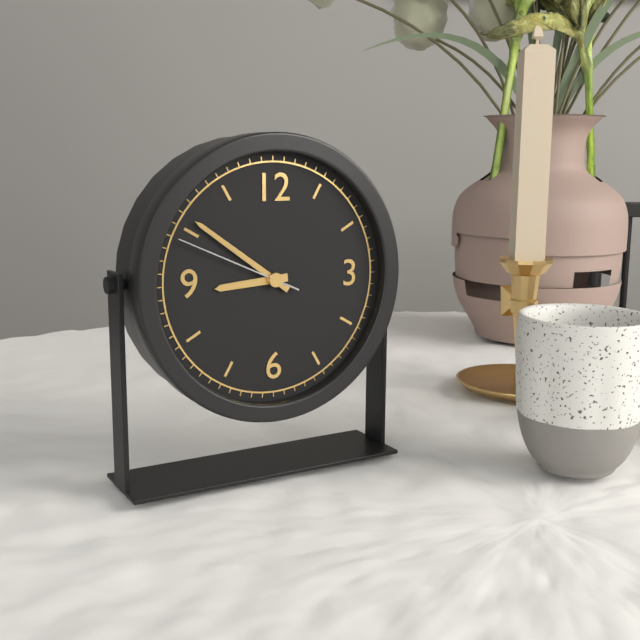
8:51:49
